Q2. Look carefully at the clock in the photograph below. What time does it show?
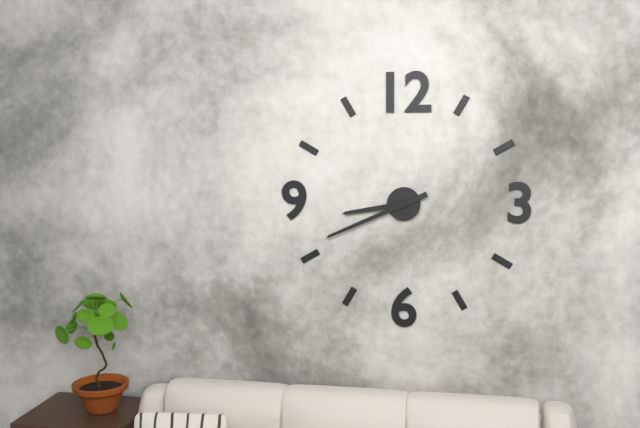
8:41
